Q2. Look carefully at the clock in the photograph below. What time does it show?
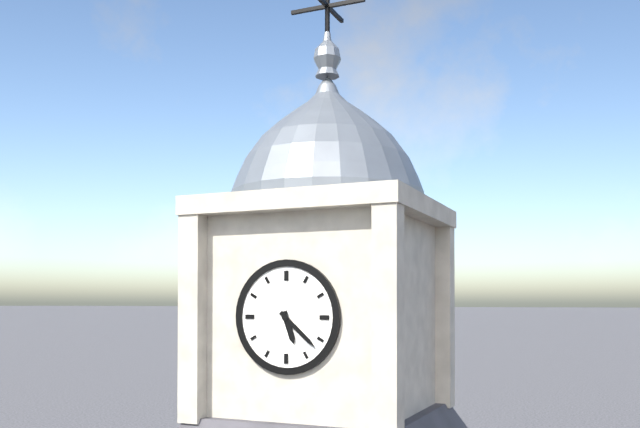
5:22
